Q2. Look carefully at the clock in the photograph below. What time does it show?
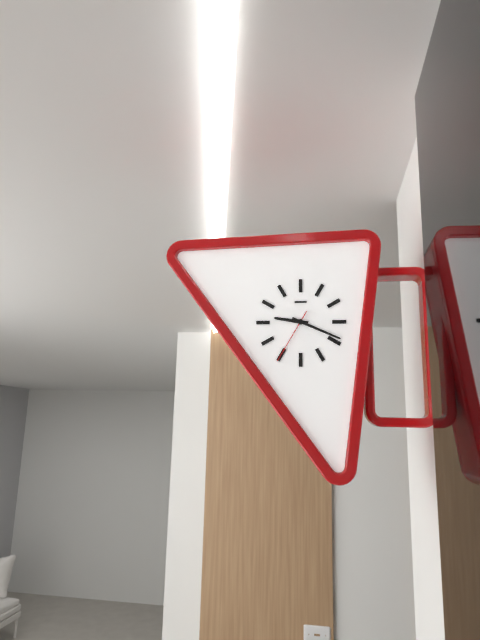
9:19:35
